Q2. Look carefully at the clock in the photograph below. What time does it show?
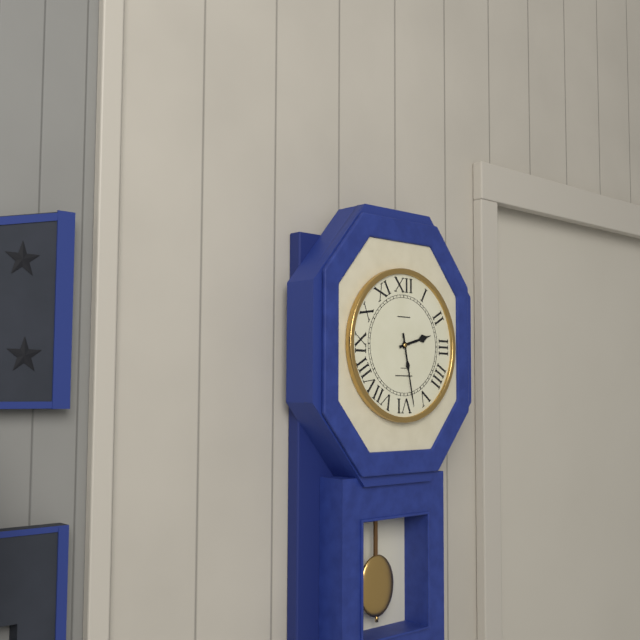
2:28
